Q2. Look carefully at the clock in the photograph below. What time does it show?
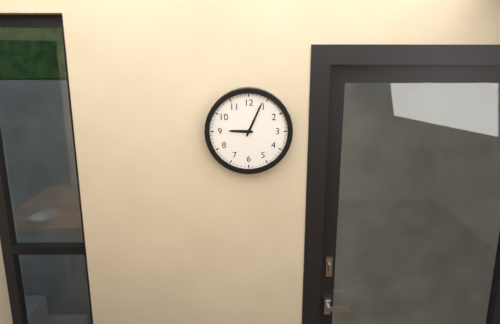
9:04
